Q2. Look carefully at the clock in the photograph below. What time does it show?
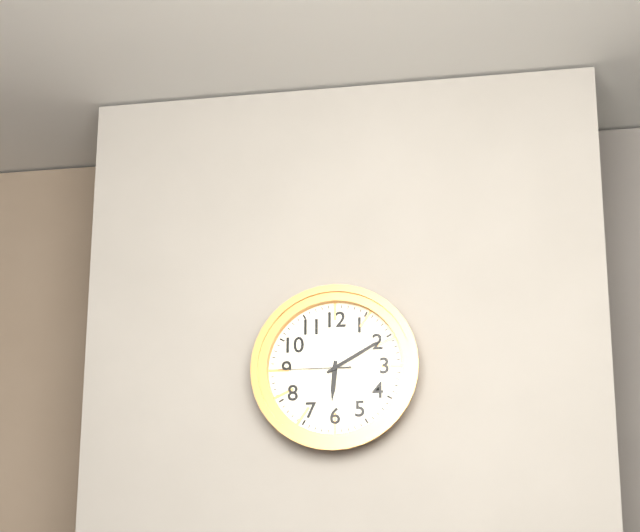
6:10:45
